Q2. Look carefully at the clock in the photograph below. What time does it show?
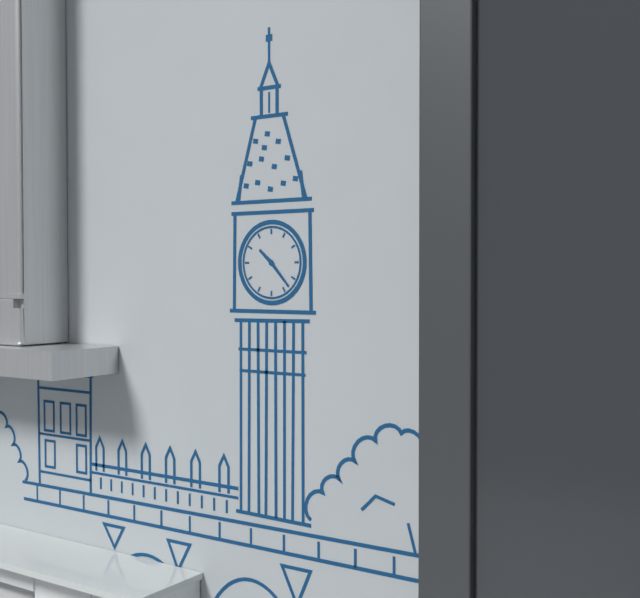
10:23
